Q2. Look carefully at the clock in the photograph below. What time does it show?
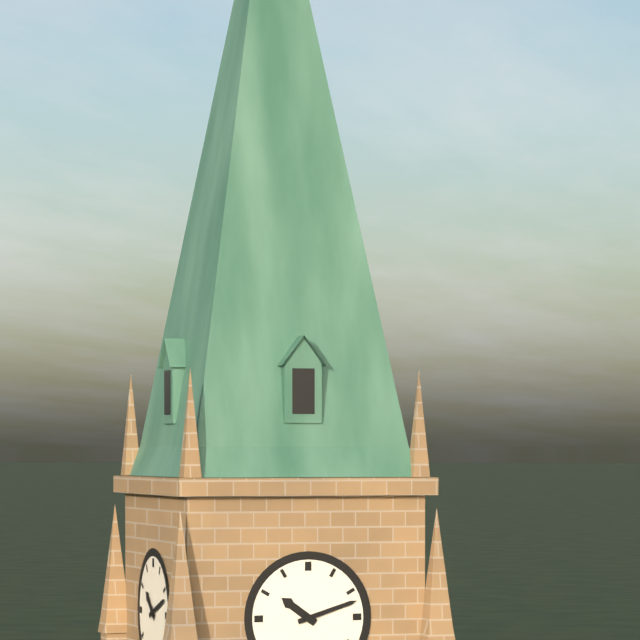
10:12
